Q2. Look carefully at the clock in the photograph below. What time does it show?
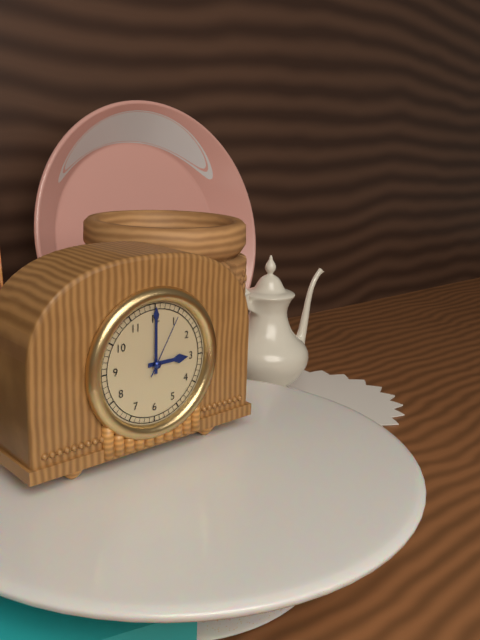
3:00:05
